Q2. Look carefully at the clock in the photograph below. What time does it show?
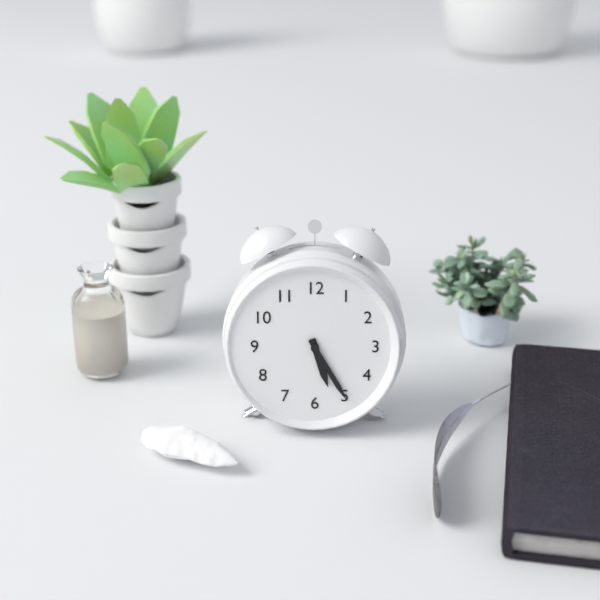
5:25
